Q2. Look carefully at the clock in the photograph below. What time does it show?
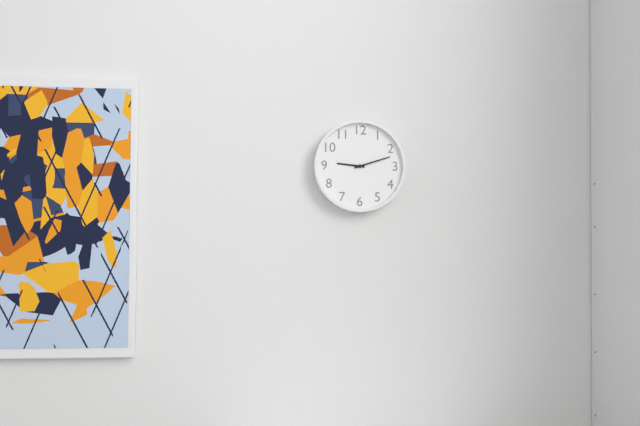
9:12
